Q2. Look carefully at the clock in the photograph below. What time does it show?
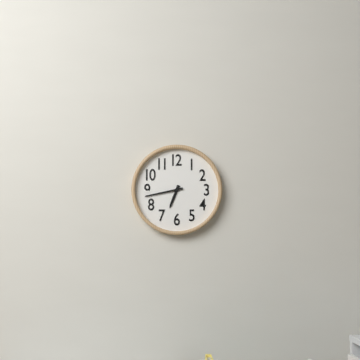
6:43
